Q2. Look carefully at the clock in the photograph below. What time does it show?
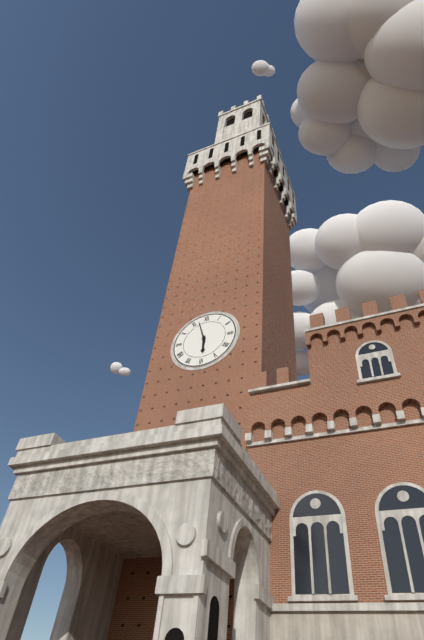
5:57
